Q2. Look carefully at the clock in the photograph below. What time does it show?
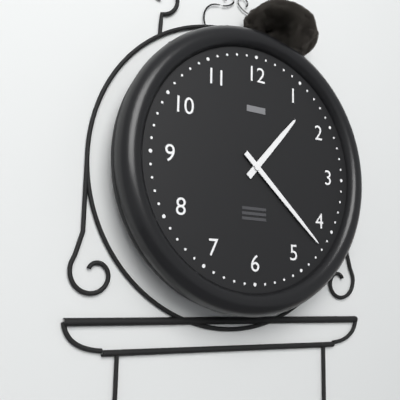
1:22
